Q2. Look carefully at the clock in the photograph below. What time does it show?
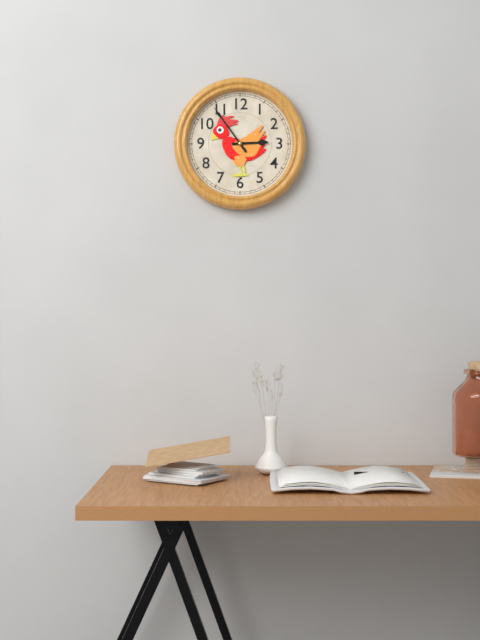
2:54
